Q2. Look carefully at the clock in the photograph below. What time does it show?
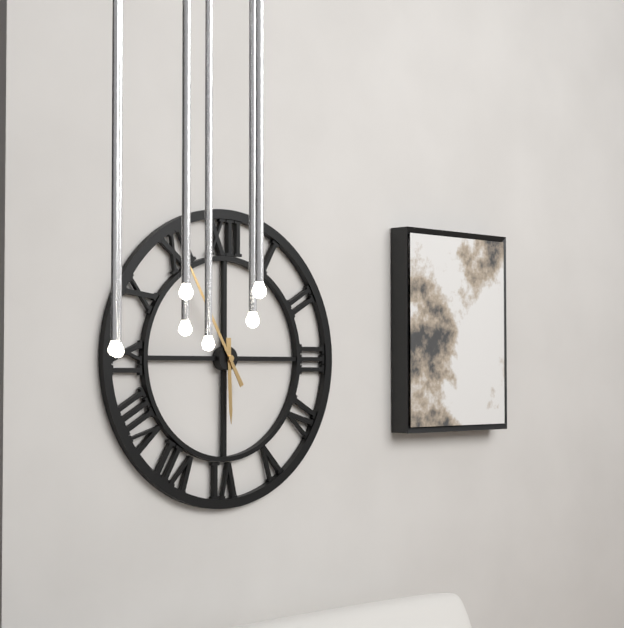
5:55
